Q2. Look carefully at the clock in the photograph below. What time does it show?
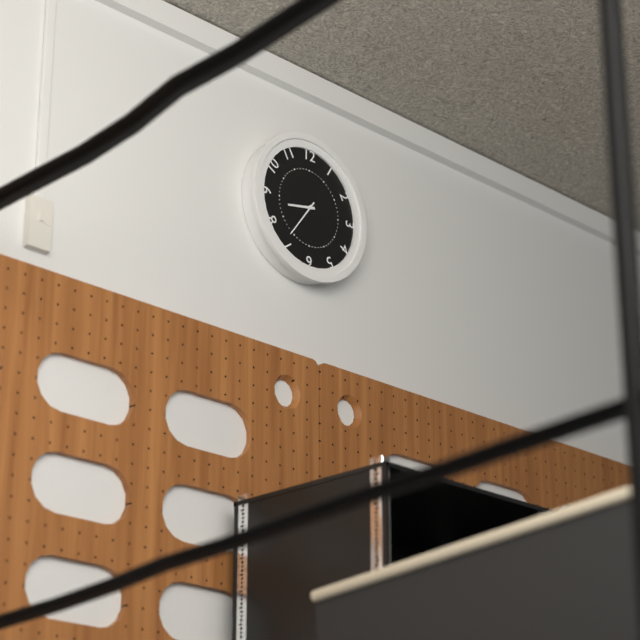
8:36
